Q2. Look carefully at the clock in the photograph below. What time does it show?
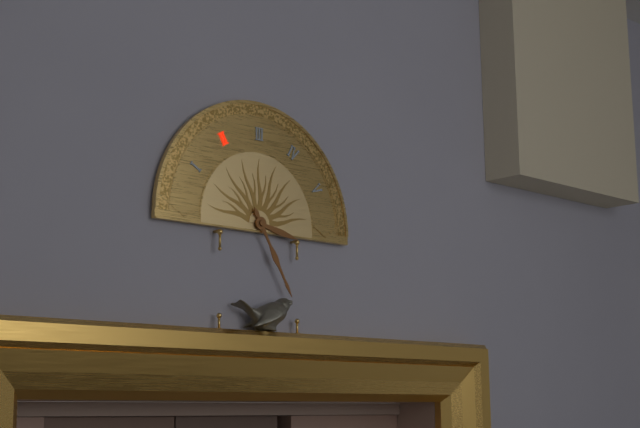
3:25
